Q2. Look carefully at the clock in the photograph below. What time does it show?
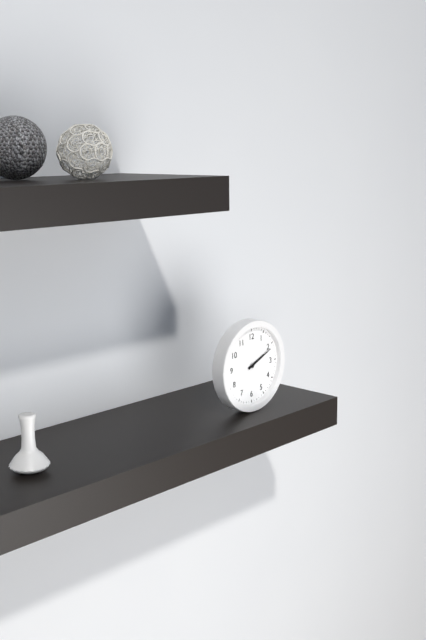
2:11
